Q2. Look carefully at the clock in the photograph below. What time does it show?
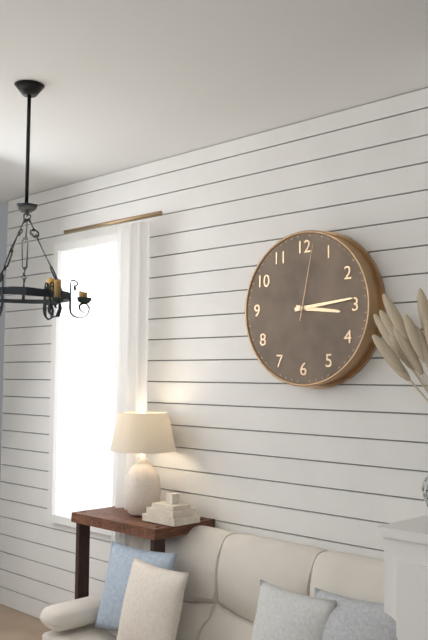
3:14:02
